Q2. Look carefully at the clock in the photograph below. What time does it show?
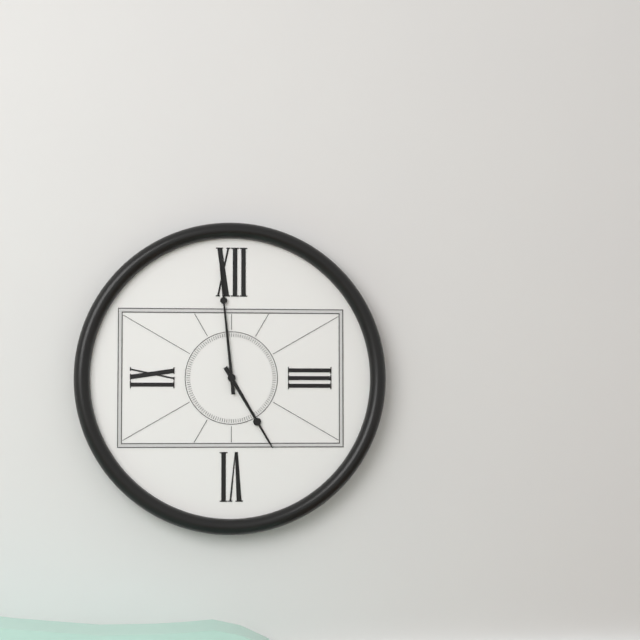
4:59
